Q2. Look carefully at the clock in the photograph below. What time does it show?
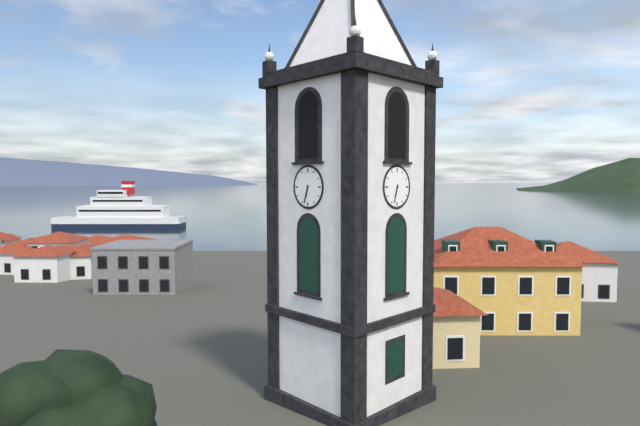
6:33
